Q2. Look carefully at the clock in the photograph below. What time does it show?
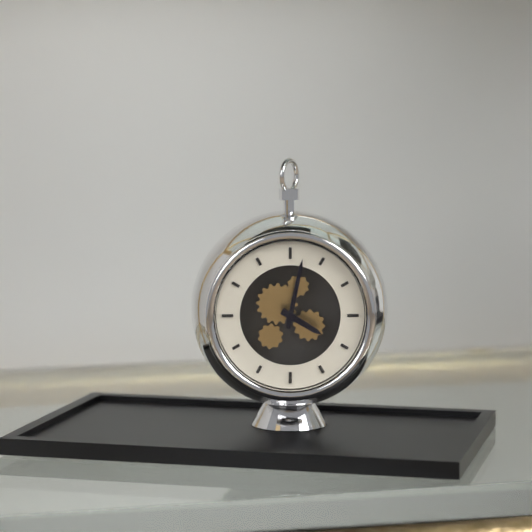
4:02
